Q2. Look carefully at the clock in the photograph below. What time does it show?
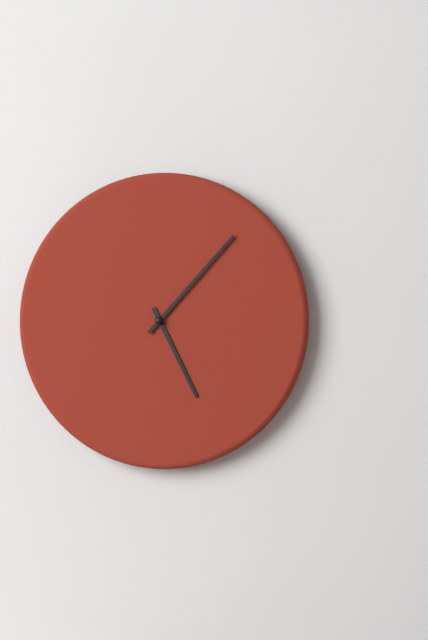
5:07
